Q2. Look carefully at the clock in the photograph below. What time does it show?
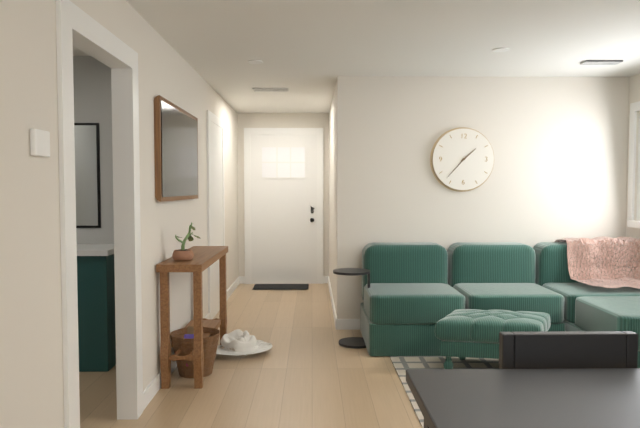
1:37
